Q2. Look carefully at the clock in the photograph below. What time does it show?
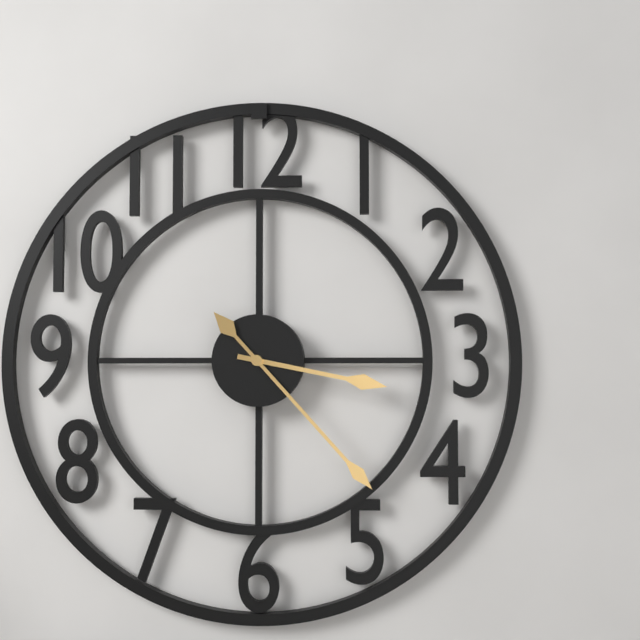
3:23
